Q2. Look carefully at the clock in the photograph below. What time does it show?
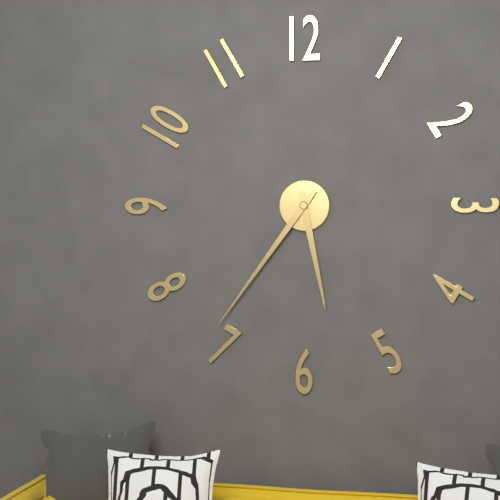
5:36
